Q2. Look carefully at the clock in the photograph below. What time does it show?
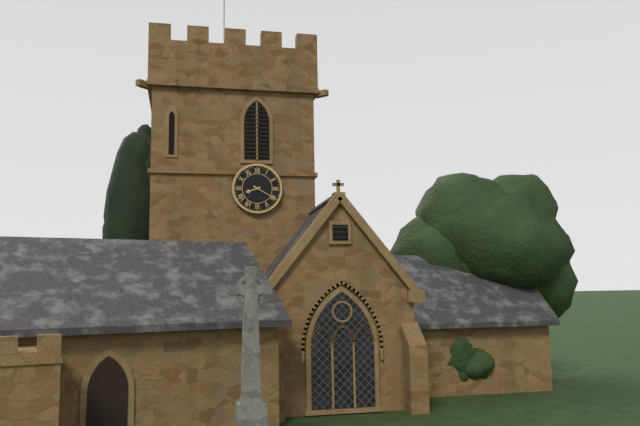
8:20
